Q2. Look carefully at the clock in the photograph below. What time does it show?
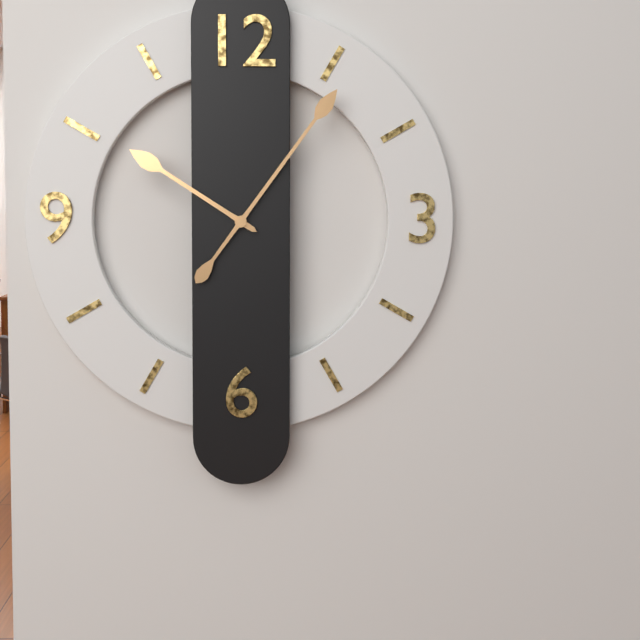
10:06
